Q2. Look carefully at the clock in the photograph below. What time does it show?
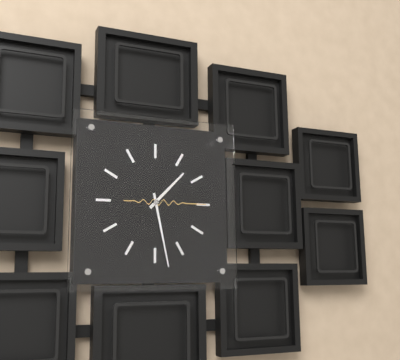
1:28:15
